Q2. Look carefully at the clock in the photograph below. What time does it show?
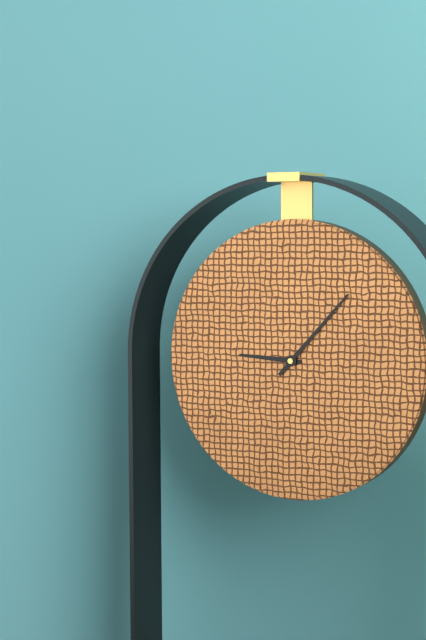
9:07
